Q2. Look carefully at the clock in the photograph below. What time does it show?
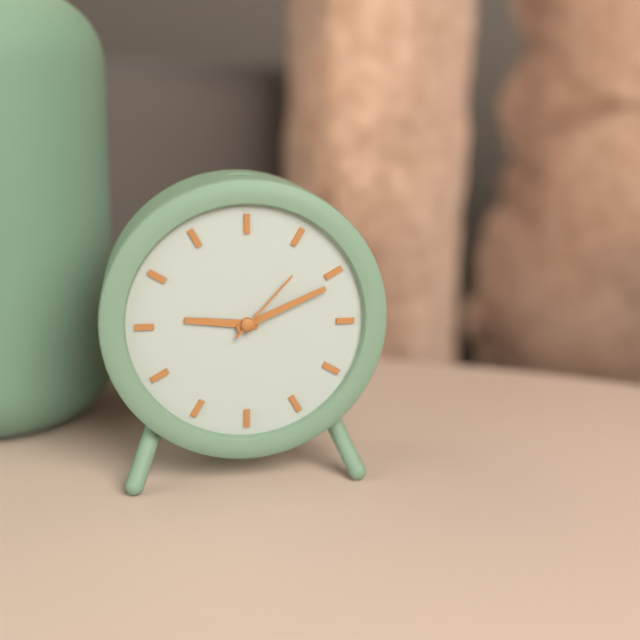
9:11:07
